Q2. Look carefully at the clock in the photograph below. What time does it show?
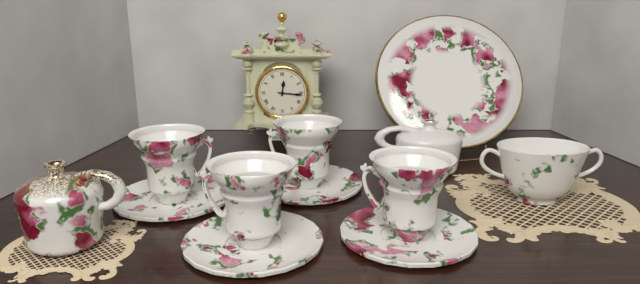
12:16
